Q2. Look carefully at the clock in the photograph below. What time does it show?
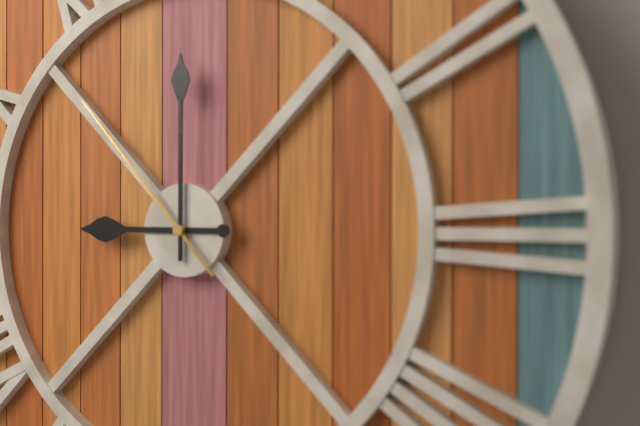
9:00:53
